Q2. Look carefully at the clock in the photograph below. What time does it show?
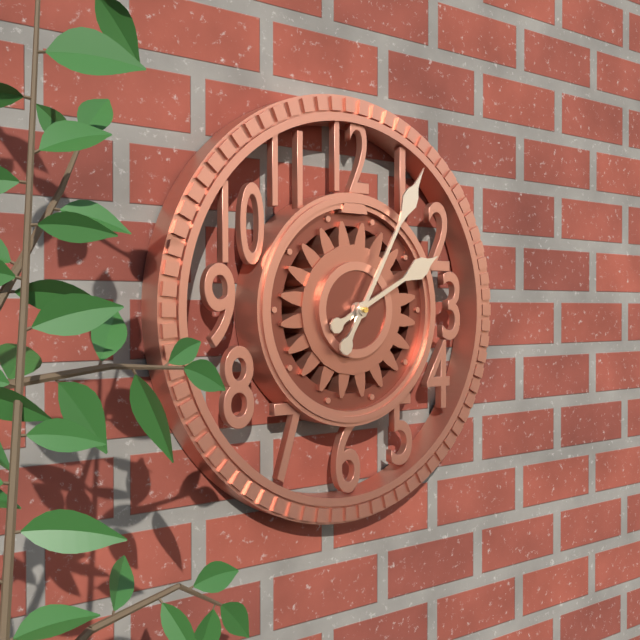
2:05
